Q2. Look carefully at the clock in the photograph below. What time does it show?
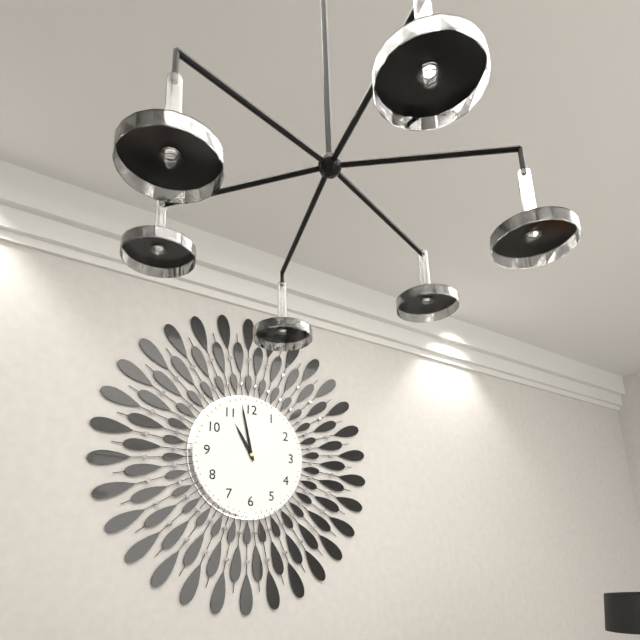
10:58
